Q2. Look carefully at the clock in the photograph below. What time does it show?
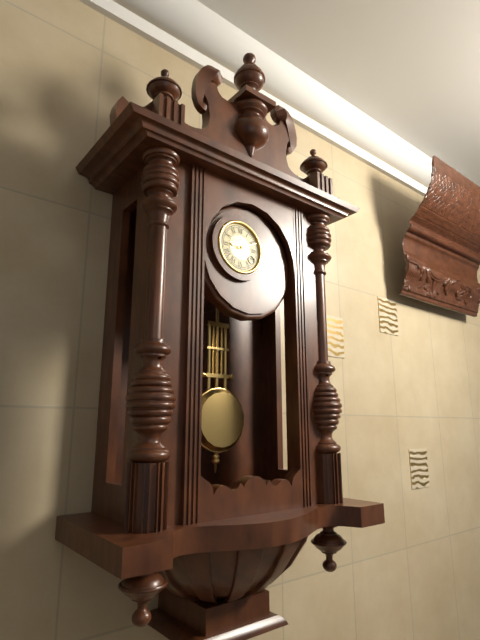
9:11
